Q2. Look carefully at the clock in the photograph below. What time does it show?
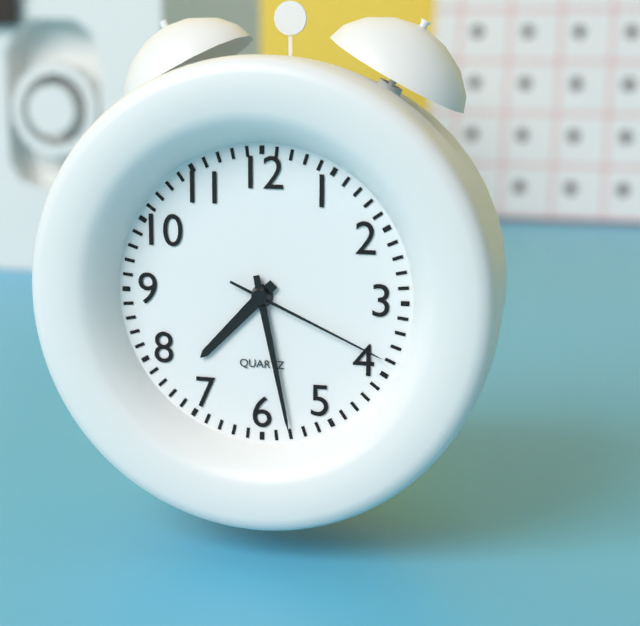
7:28:19
